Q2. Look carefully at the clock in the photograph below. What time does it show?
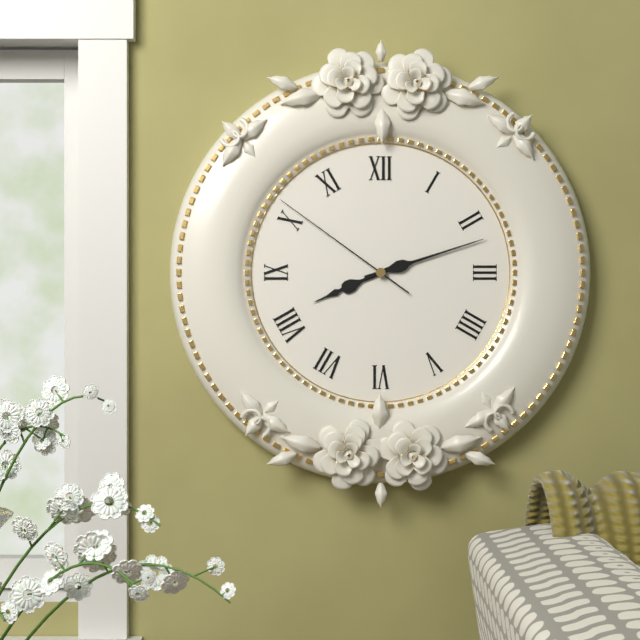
8:12:51
